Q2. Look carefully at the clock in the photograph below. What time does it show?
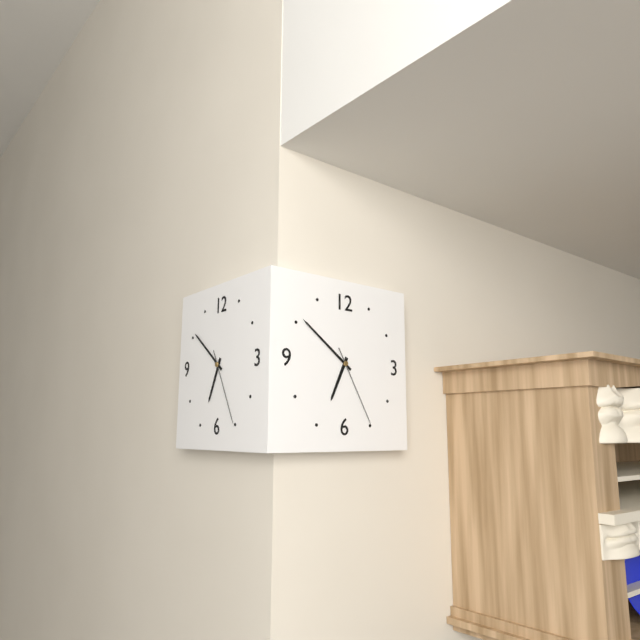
6:51:25
